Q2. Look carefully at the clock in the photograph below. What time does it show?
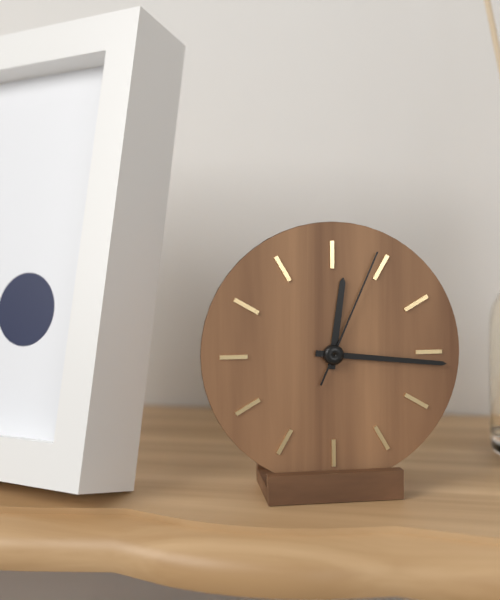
12:16:04
